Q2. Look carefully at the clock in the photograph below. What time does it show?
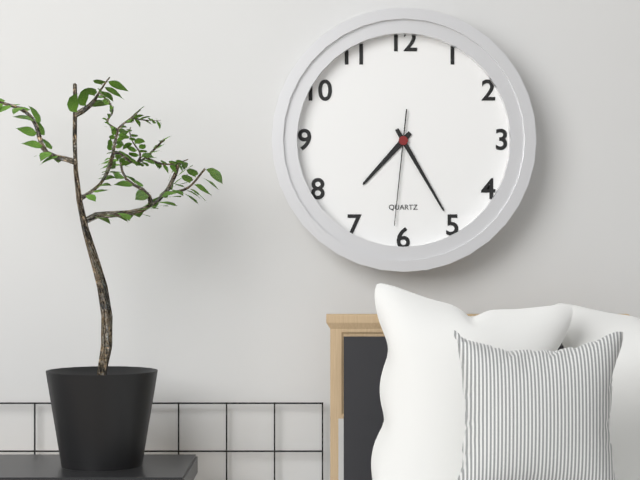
7:25:31
